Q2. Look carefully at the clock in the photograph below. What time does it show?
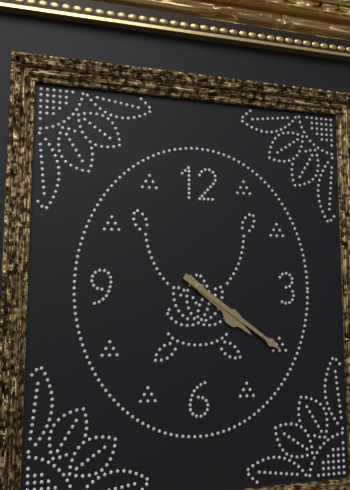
4:21
